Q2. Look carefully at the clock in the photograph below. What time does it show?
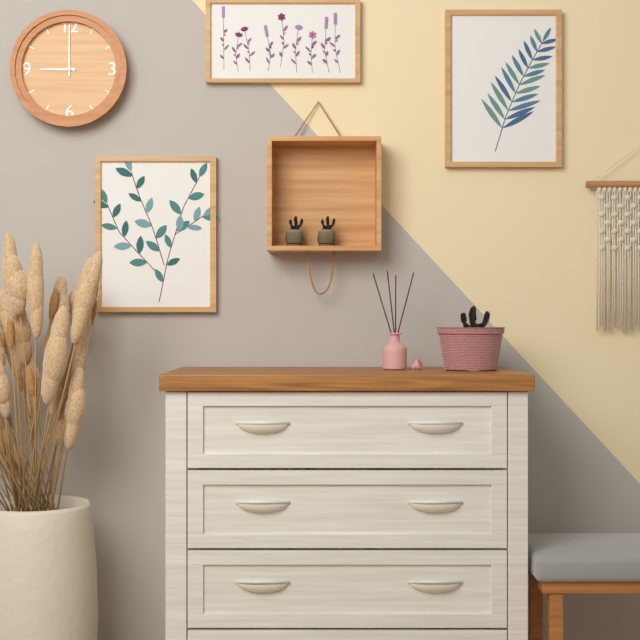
9:00
